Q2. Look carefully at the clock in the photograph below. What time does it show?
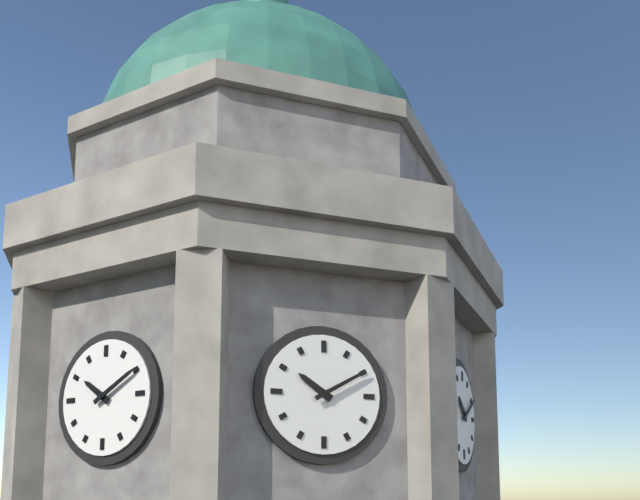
10:10
